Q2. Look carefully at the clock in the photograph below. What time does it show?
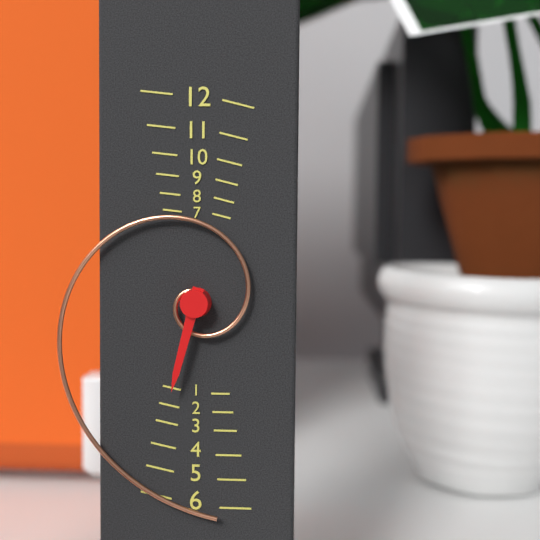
6:29
